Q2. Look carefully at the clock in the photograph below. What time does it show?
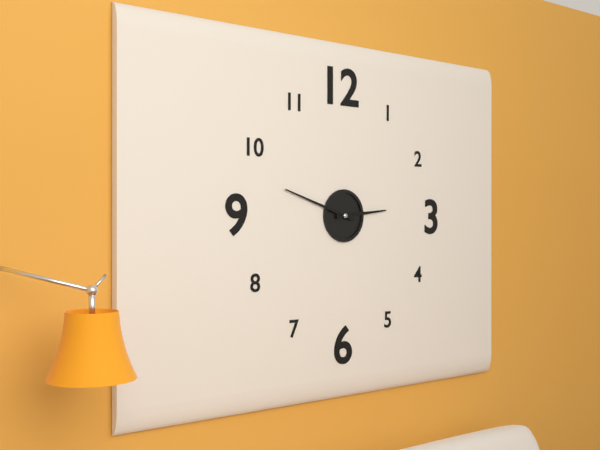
2:48
